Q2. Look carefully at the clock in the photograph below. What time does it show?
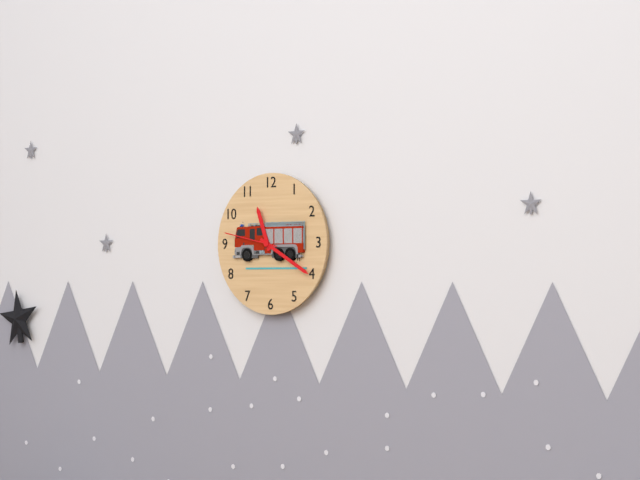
11:20:47
